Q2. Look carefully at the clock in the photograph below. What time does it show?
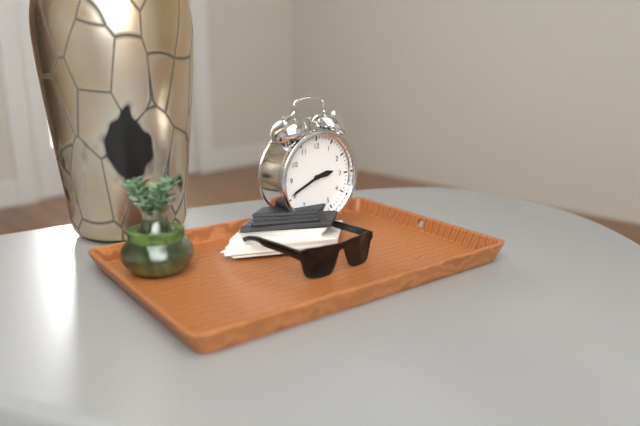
2:41
